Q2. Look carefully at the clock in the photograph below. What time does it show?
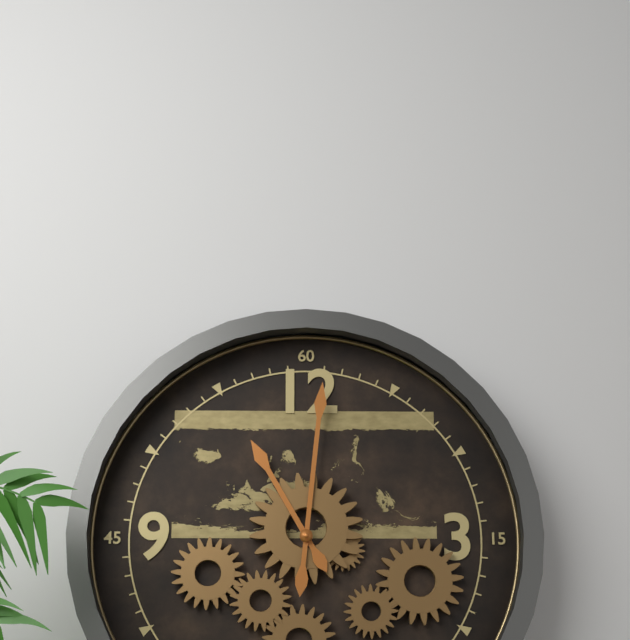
11:01
